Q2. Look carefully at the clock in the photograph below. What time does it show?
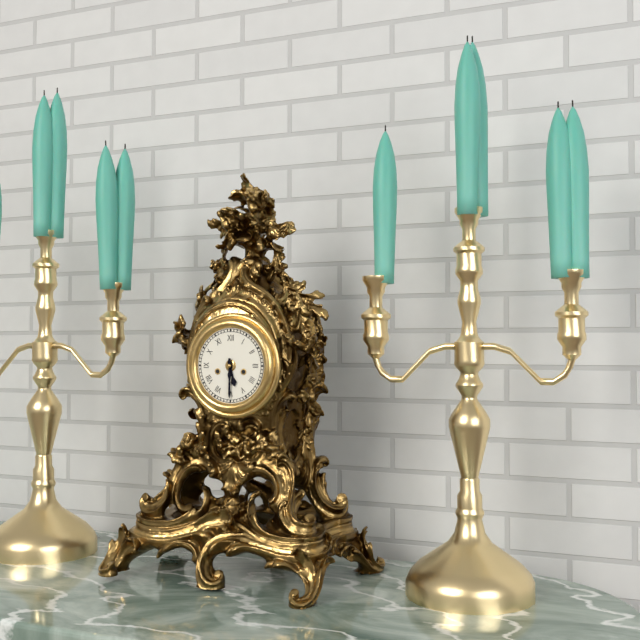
5:30
